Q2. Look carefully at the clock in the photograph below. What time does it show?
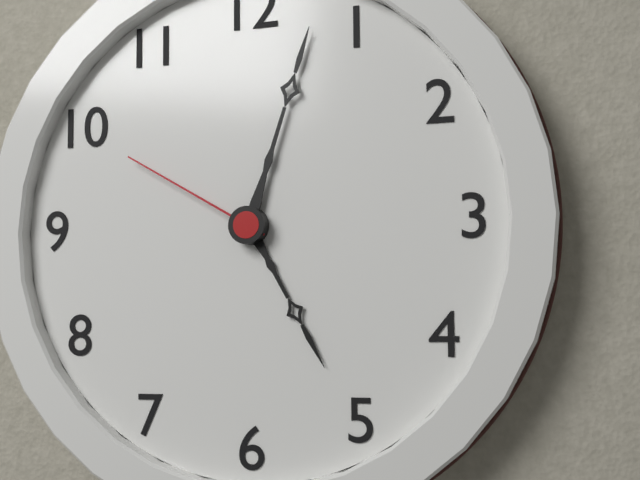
5:03:50
